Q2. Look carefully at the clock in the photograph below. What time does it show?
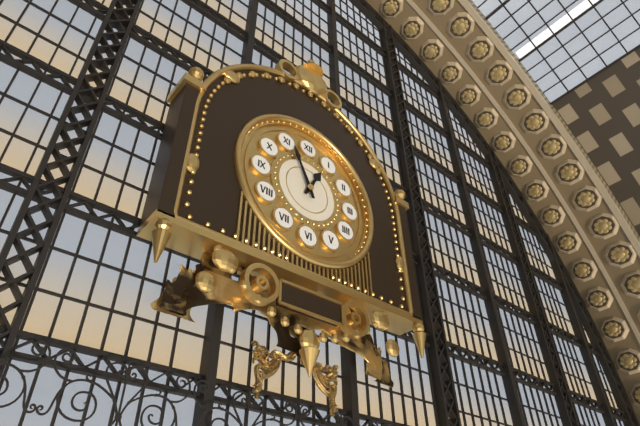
12:56
